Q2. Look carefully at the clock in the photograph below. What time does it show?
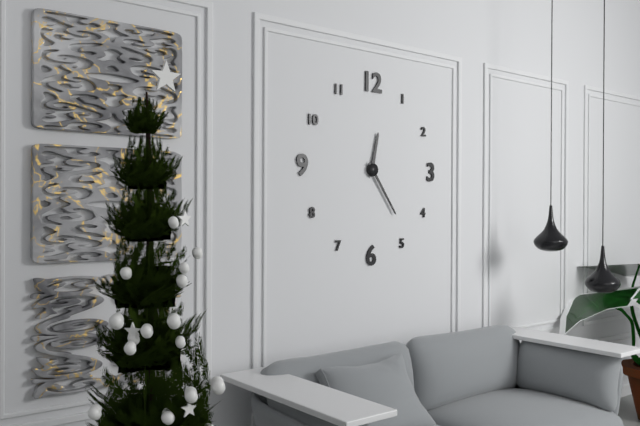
12:24
